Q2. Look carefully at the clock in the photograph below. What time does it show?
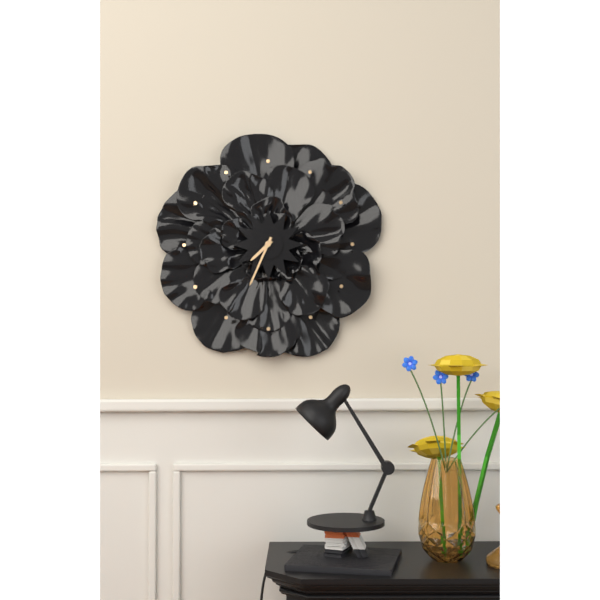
7:34
